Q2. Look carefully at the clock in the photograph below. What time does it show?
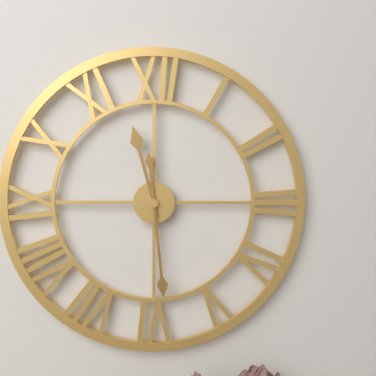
11:29
